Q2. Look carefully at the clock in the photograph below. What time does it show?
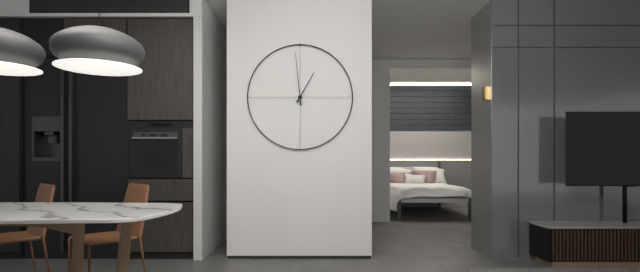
12:59
